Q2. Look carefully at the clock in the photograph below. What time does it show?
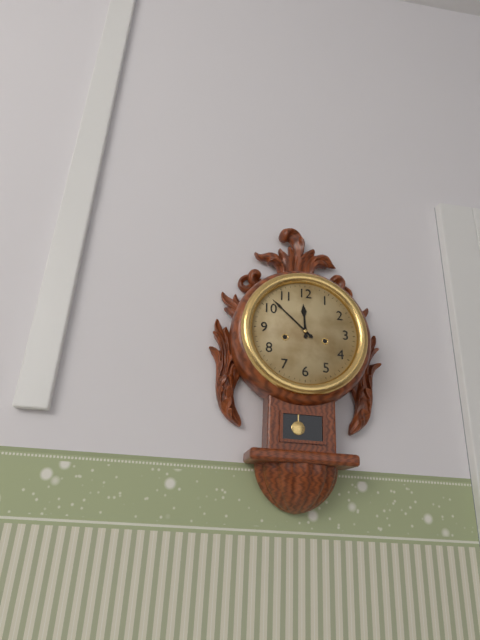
11:52
